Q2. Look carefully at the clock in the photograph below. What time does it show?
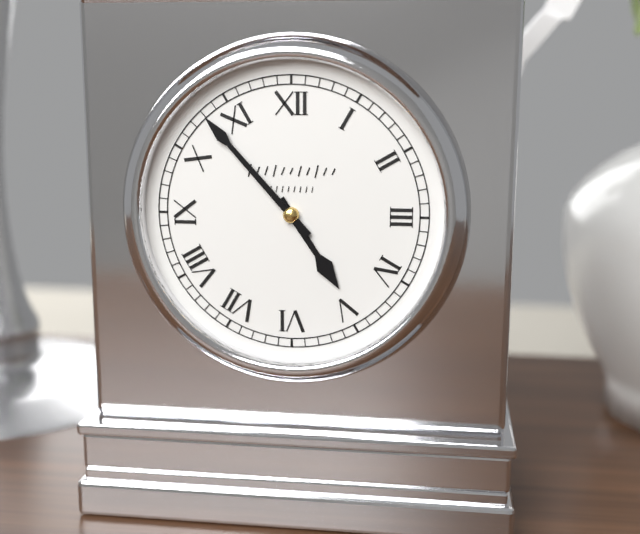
4:53
